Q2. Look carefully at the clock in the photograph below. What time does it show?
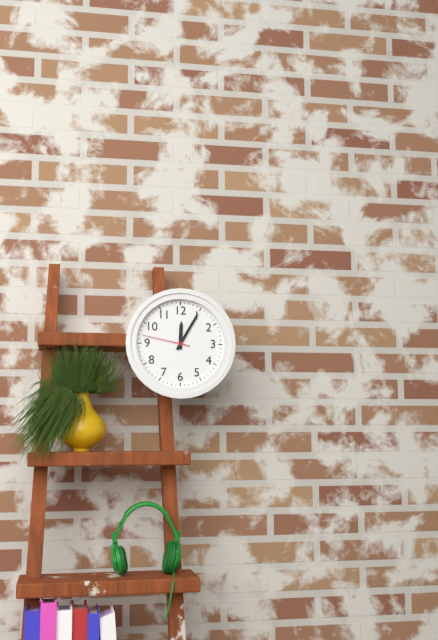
12:05
